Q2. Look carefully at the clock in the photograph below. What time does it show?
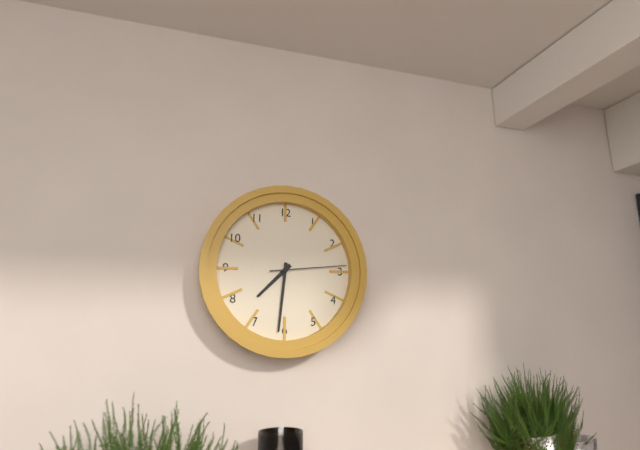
7:31:14
